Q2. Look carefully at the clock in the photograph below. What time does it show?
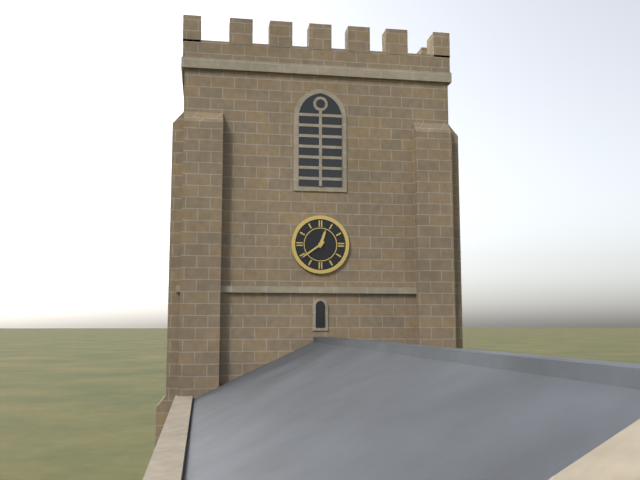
12:39
